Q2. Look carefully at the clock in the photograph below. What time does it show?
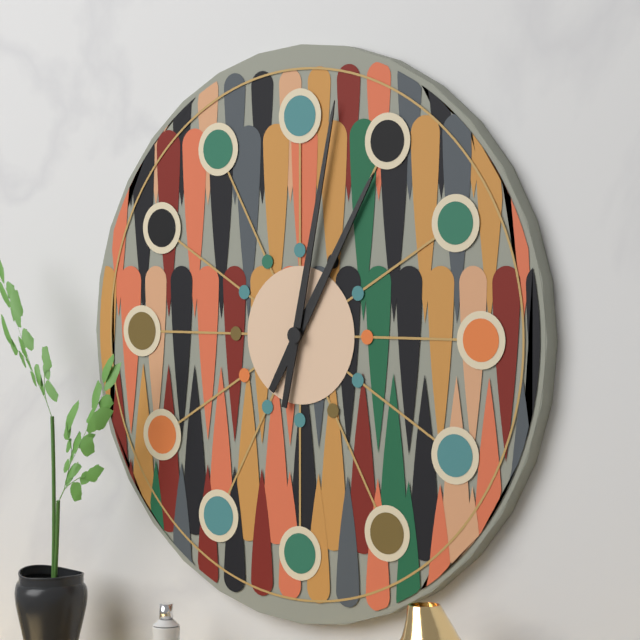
1:02
